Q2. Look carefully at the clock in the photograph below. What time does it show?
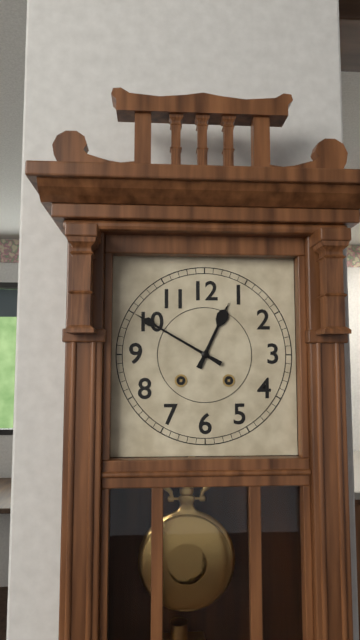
12:50
